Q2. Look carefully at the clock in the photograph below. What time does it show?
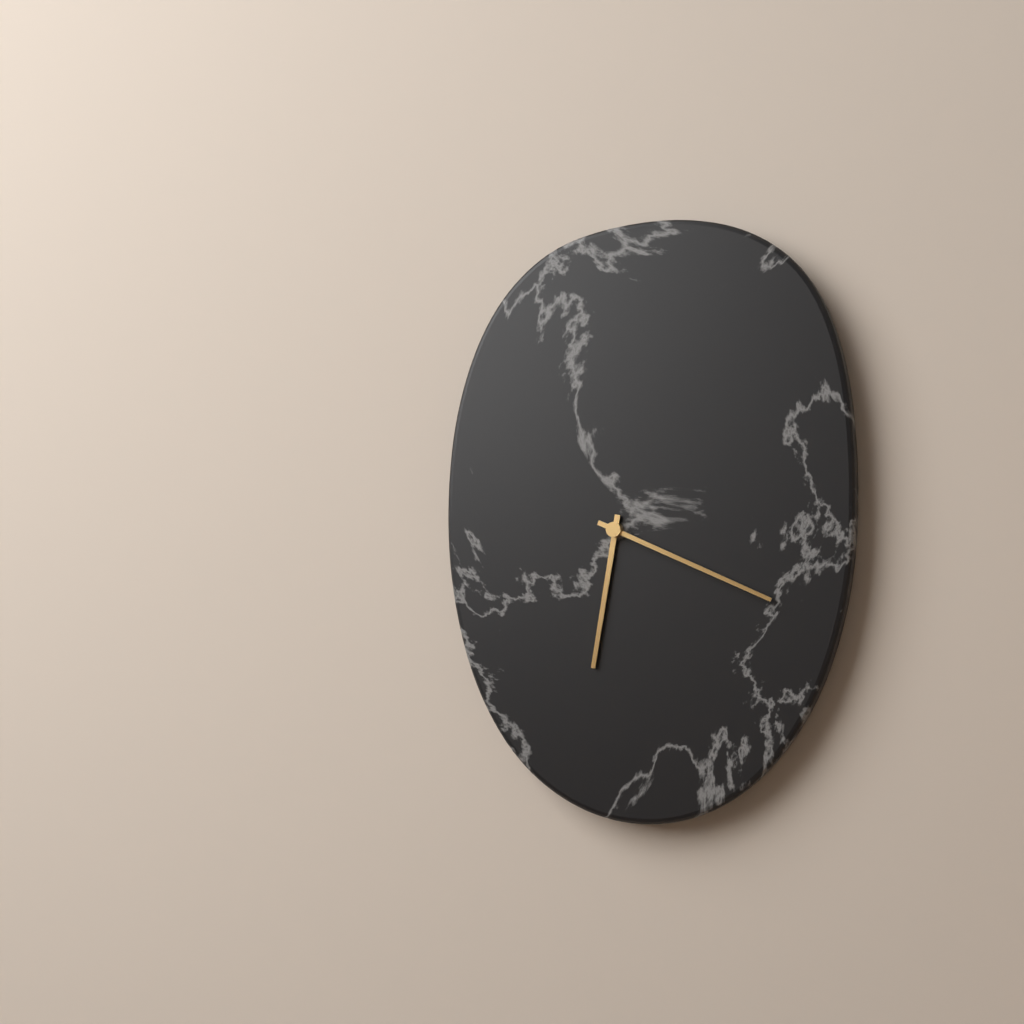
6:19
